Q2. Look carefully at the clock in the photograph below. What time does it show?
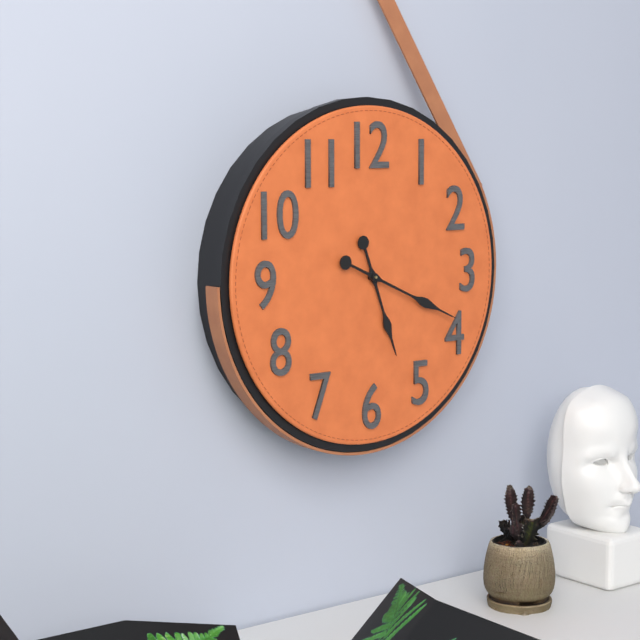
5:19
